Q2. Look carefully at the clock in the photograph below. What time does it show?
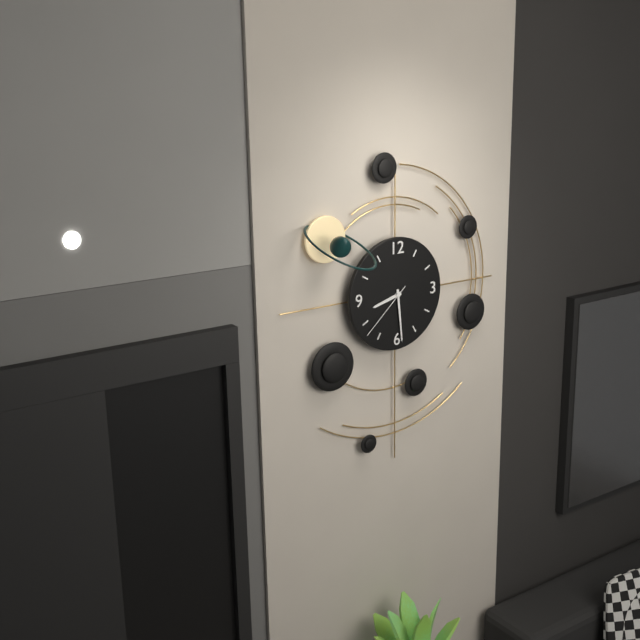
8:29:38
